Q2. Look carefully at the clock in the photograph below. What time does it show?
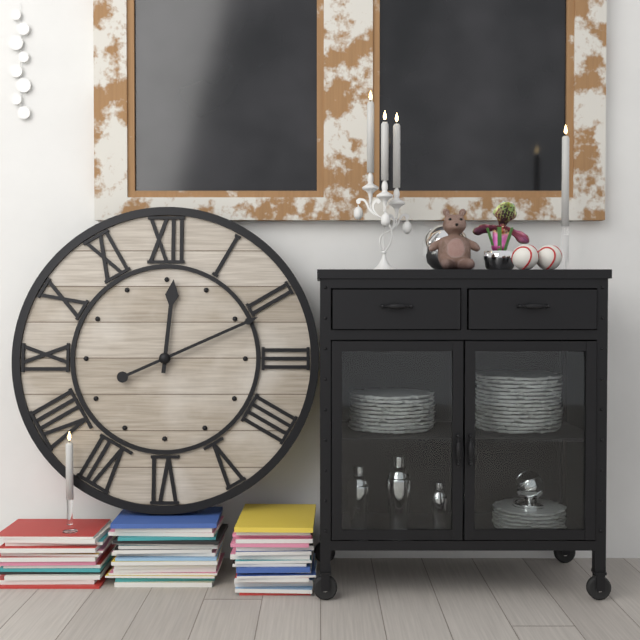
12:11
